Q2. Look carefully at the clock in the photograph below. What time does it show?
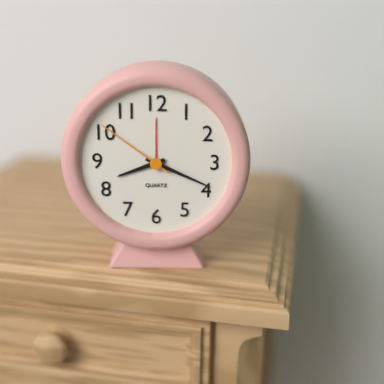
8:19:51
